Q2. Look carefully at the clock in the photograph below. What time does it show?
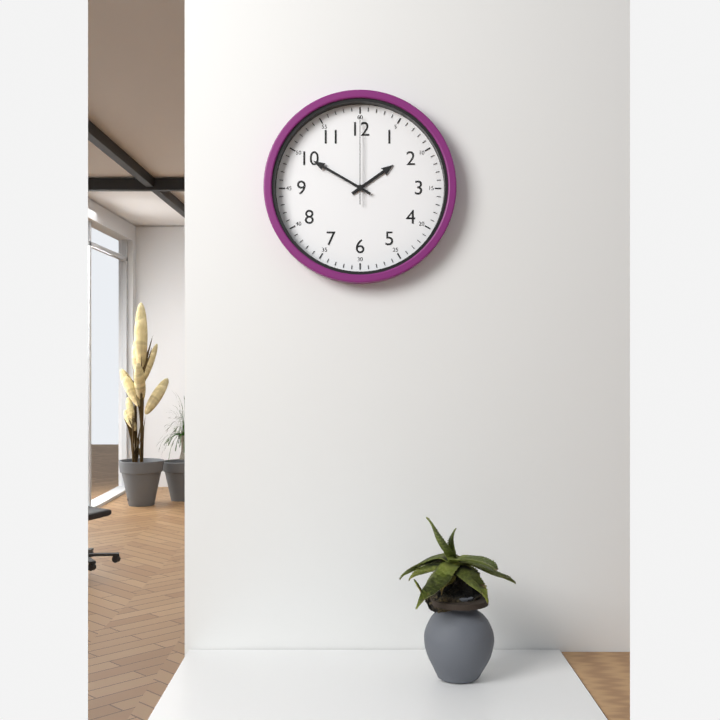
1:50:00
